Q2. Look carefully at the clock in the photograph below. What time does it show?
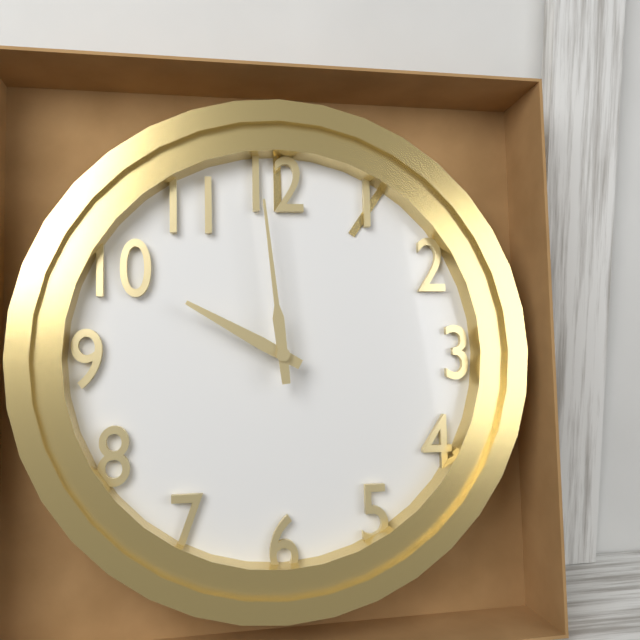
9:59
